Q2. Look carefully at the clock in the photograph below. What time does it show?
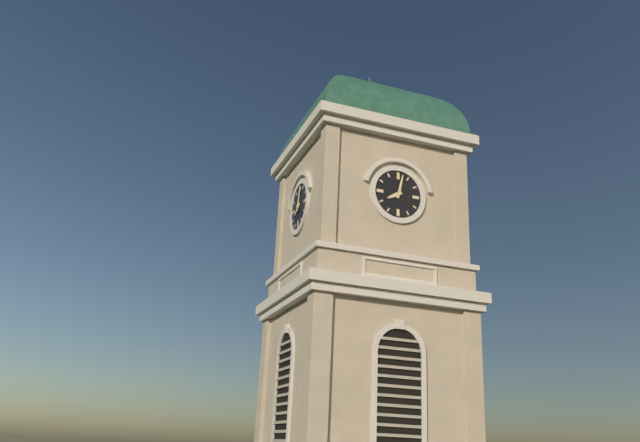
8:02
